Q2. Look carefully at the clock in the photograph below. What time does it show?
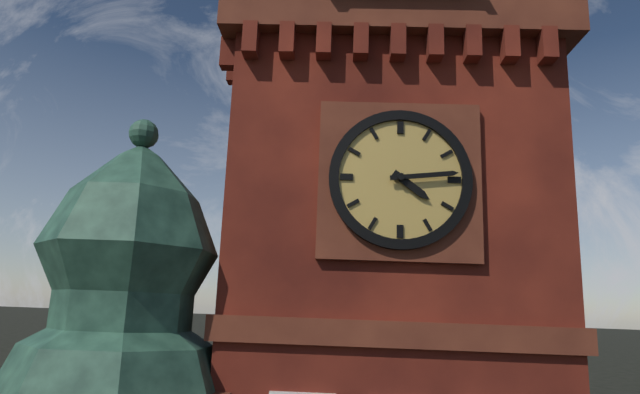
4:14
